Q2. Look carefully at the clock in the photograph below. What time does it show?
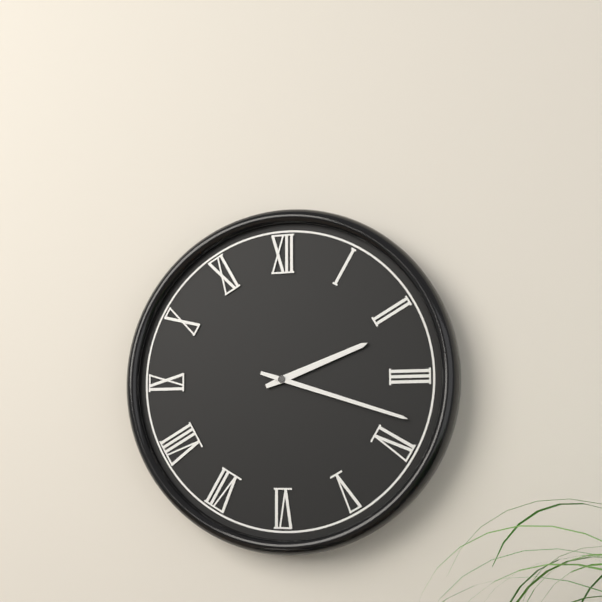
2:18
